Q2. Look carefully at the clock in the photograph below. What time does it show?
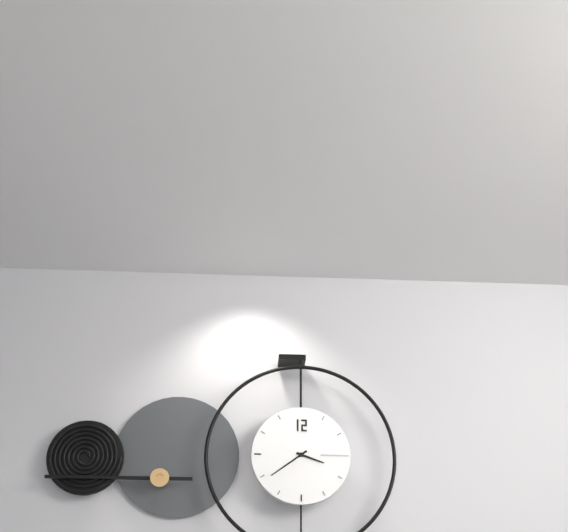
3:39
